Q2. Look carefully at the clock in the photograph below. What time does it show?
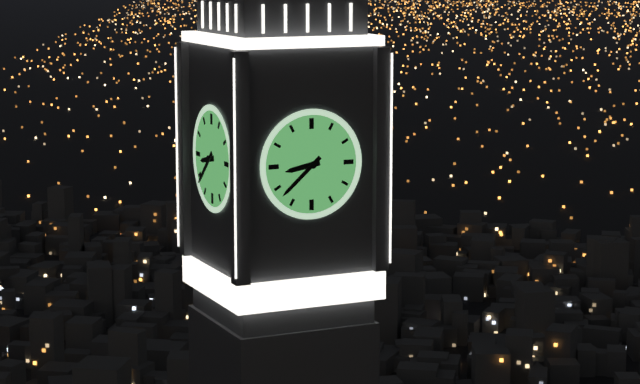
8:38
